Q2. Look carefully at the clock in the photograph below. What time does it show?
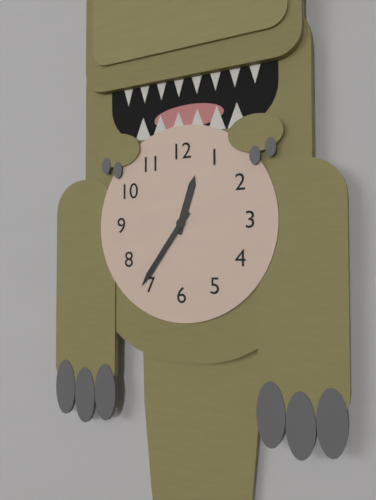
12:36
